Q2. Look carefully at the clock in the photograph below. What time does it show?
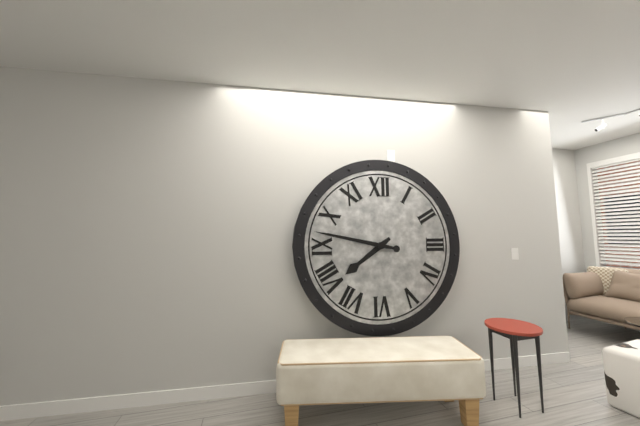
7:47
